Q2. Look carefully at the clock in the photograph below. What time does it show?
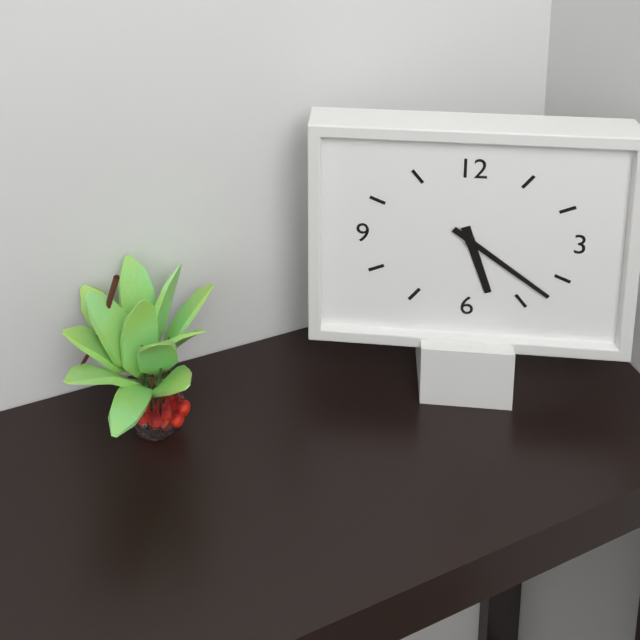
5:21
